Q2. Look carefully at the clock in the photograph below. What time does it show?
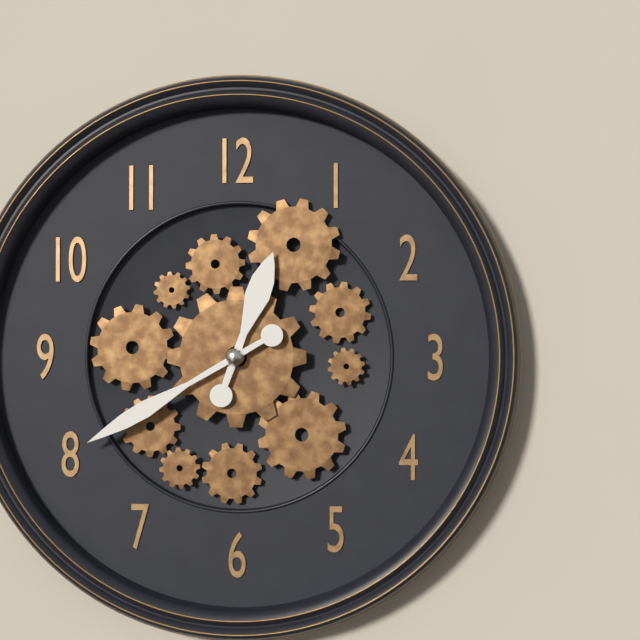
12:40
